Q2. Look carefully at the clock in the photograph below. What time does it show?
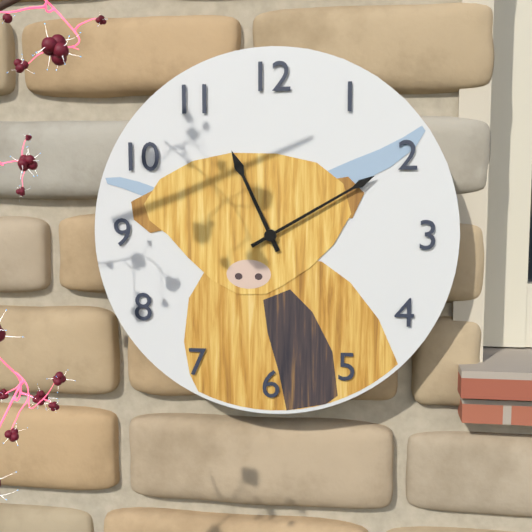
11:10
